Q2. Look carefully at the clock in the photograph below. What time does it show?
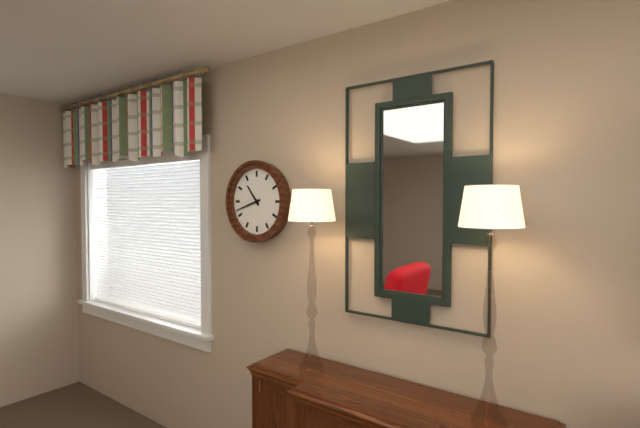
10:42
